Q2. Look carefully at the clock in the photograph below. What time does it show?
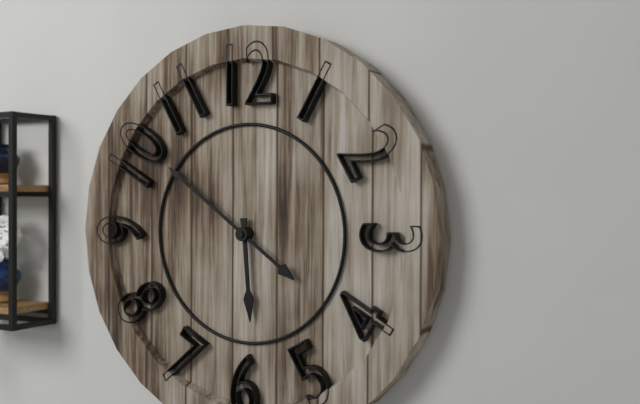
5:51
